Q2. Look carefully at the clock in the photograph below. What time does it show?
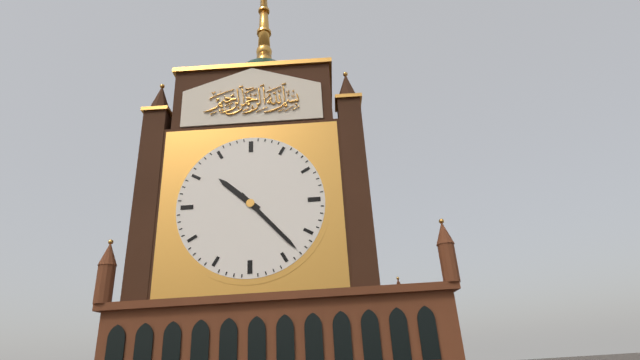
10:23
